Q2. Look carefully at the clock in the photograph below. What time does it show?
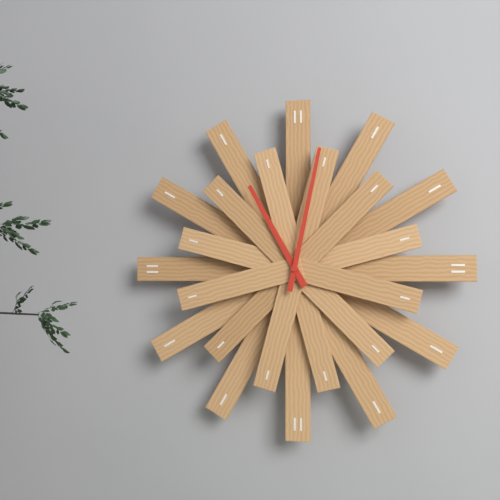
11:02
